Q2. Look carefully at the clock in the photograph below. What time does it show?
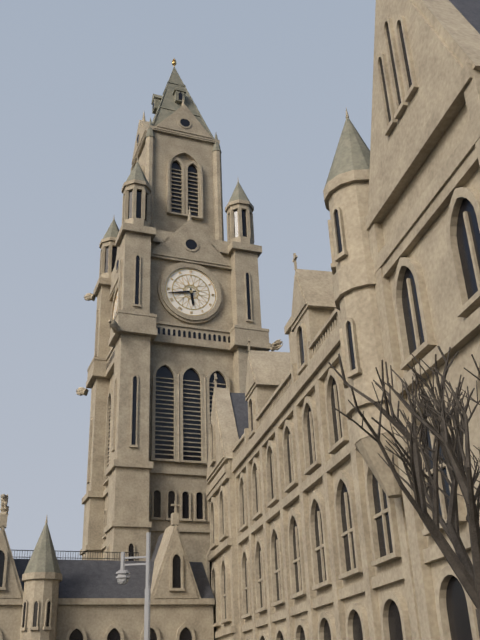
5:43
